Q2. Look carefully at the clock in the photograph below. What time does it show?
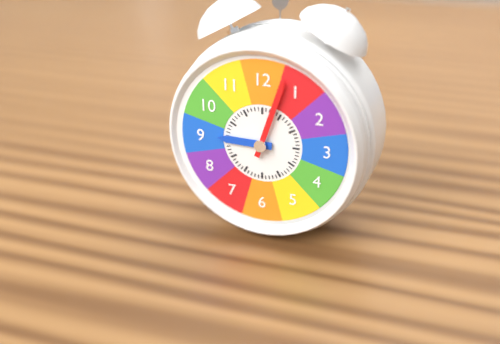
9:03
